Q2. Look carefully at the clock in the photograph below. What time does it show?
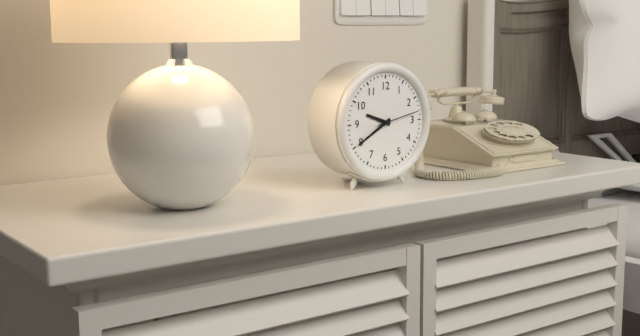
9:40
